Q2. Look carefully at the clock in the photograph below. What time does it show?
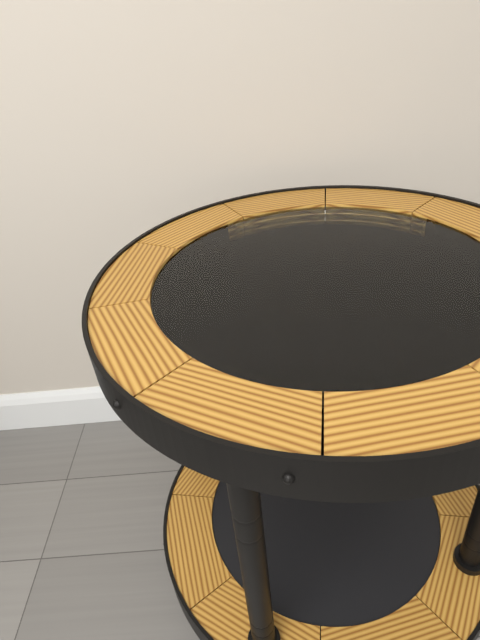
1:42
